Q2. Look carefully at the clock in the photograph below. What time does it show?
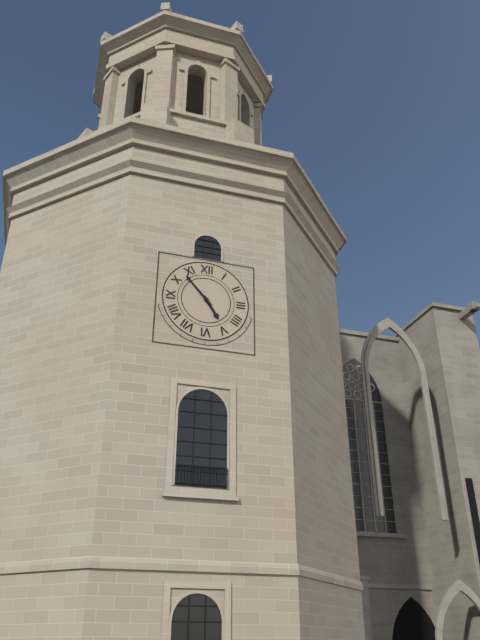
4:53
